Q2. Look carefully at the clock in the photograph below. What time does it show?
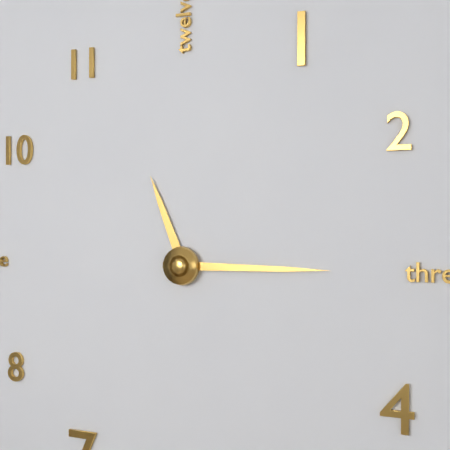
11:15
